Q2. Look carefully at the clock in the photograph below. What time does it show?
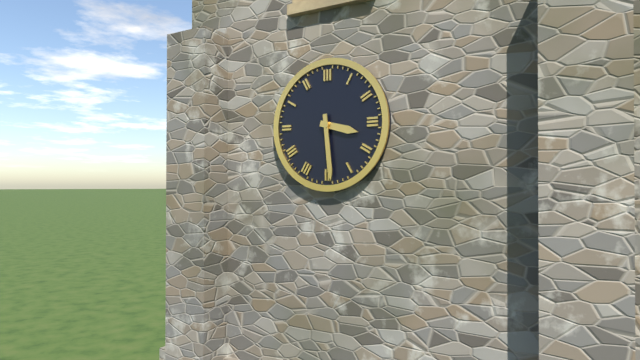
3:29
